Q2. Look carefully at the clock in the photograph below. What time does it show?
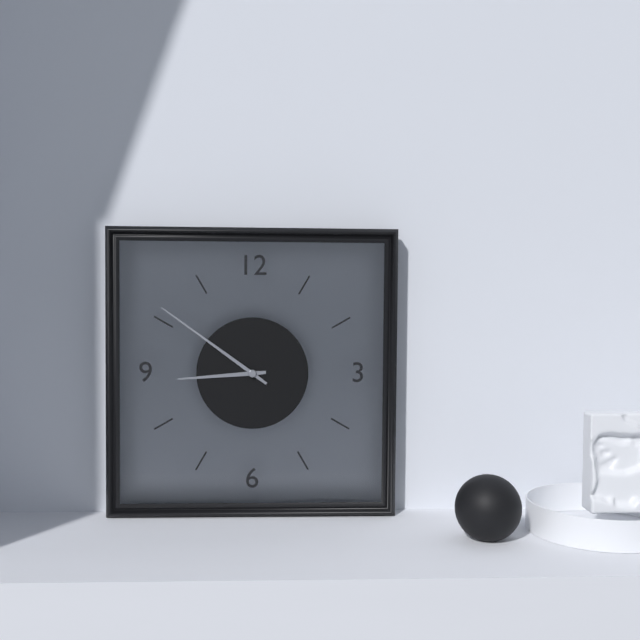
8:51
